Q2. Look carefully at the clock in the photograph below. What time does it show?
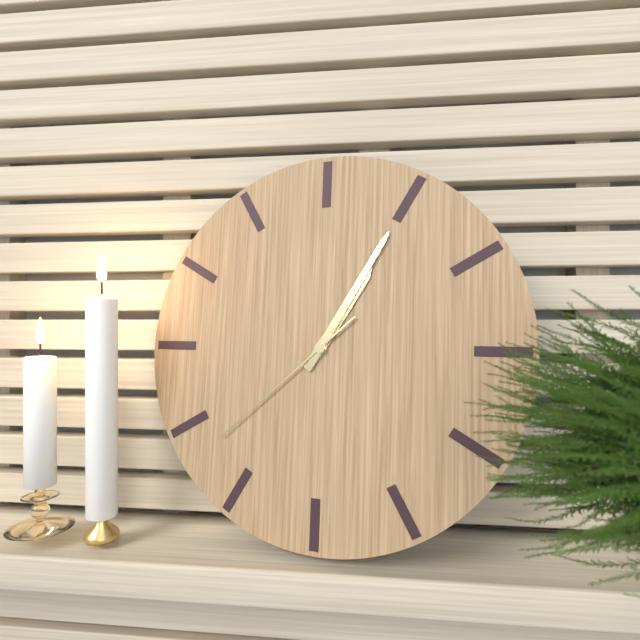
1:05:38
